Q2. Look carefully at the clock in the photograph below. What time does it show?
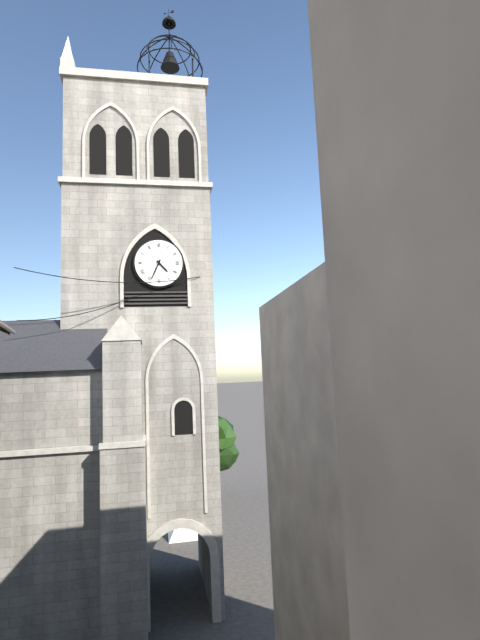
4:34
